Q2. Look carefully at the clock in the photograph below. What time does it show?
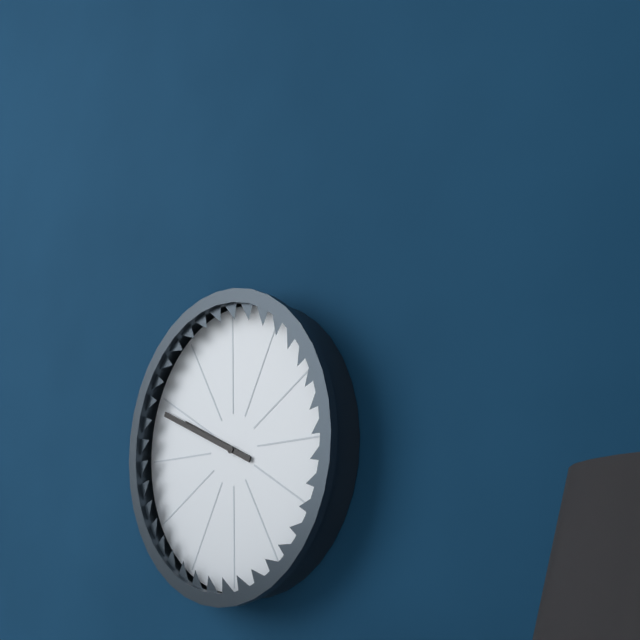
9:49
